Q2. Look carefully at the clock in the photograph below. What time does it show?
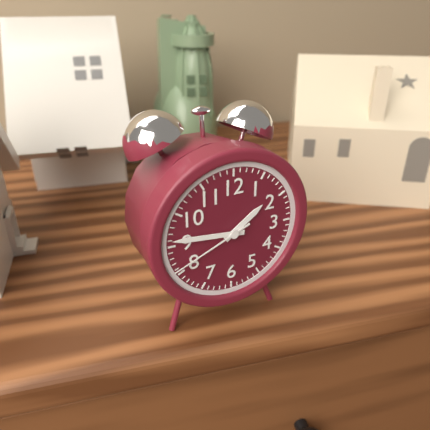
1:46:41
